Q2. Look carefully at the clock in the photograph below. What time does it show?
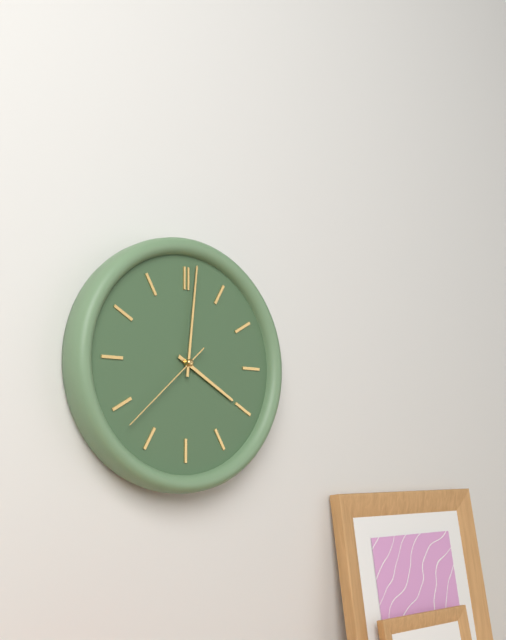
4:01:38
